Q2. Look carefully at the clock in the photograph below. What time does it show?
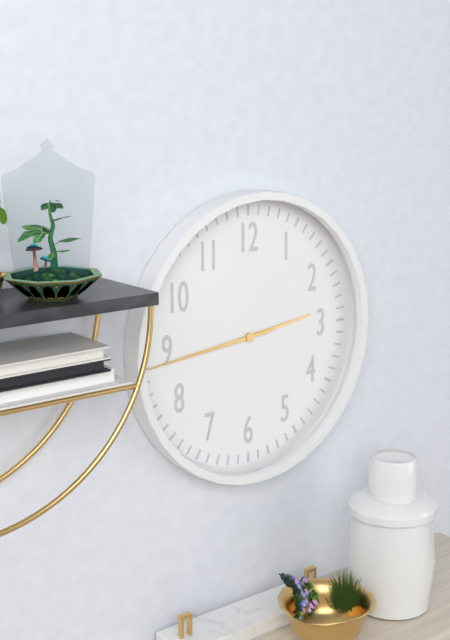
2:44
